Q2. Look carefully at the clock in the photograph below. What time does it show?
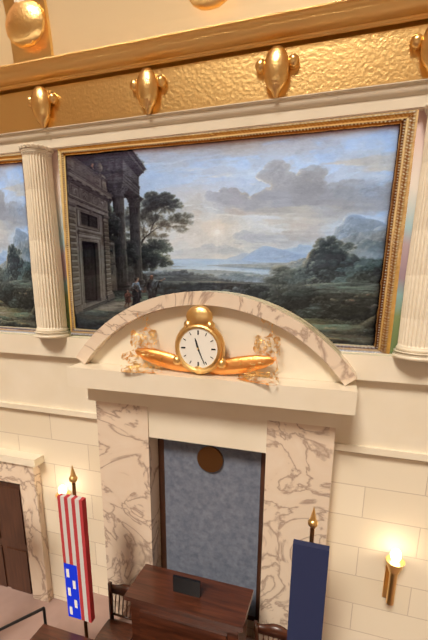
11:26
